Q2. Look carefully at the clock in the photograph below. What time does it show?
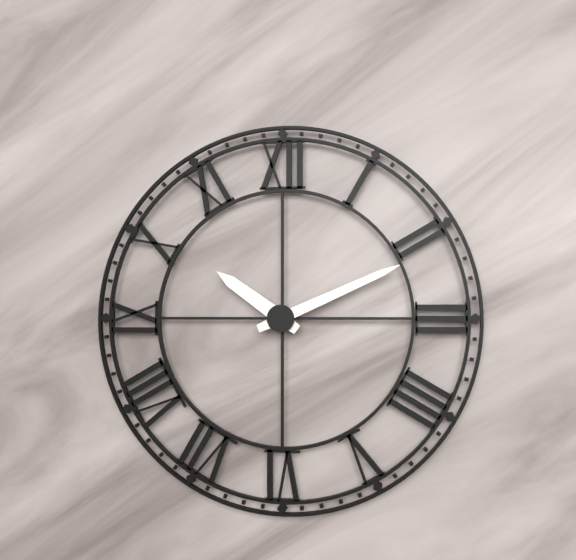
10:11
